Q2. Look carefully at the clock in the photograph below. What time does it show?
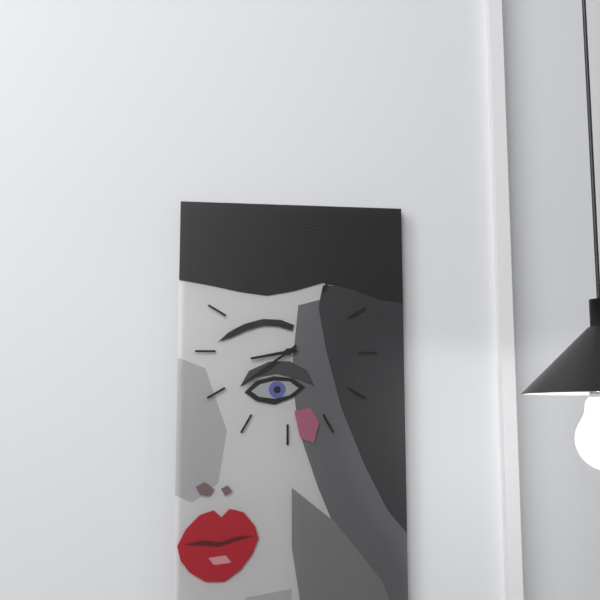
8:39
